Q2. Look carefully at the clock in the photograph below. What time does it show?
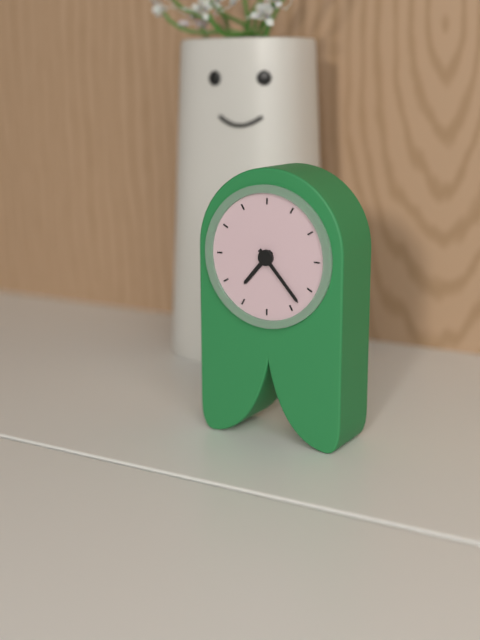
7:23
